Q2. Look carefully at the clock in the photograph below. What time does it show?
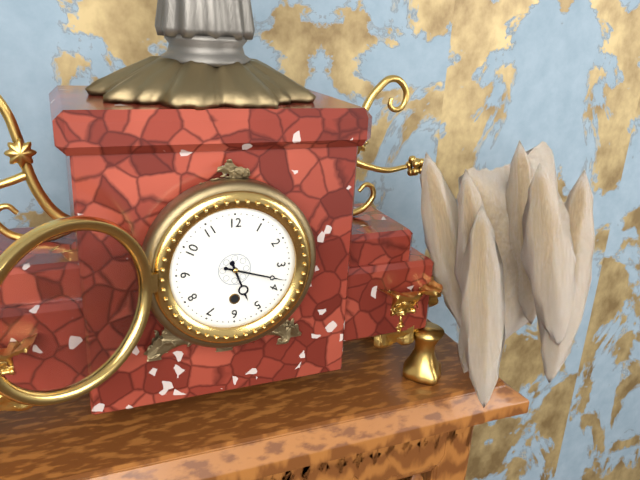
5:18
